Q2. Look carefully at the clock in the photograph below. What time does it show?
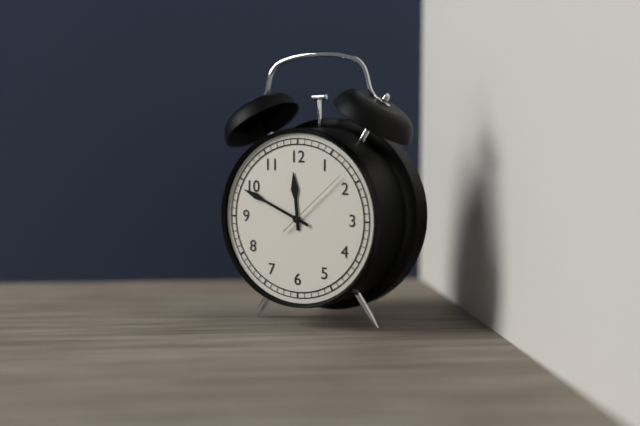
11:49:08
